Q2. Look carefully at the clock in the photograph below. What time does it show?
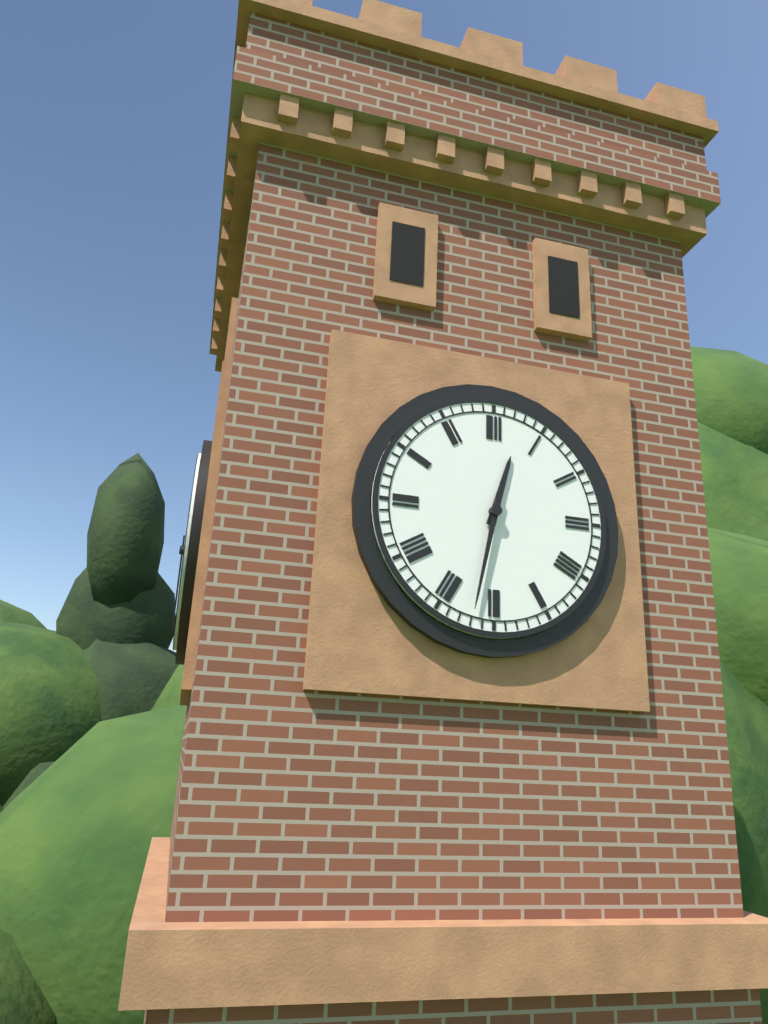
12:32
